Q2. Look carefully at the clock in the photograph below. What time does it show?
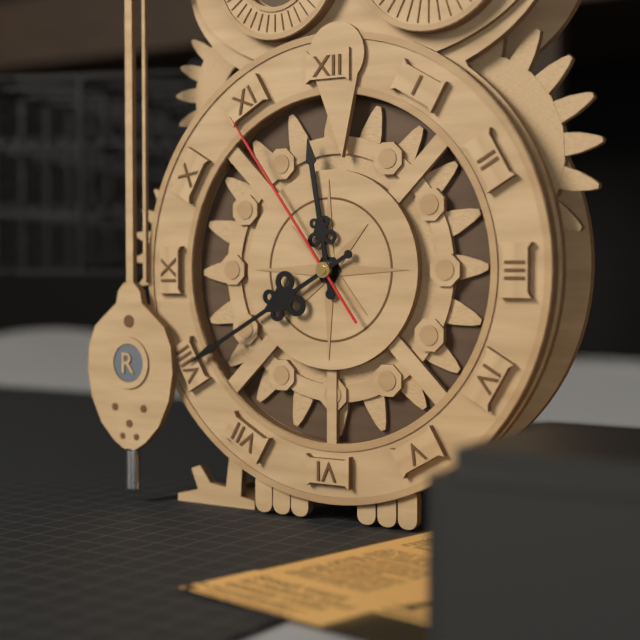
11:40:54
